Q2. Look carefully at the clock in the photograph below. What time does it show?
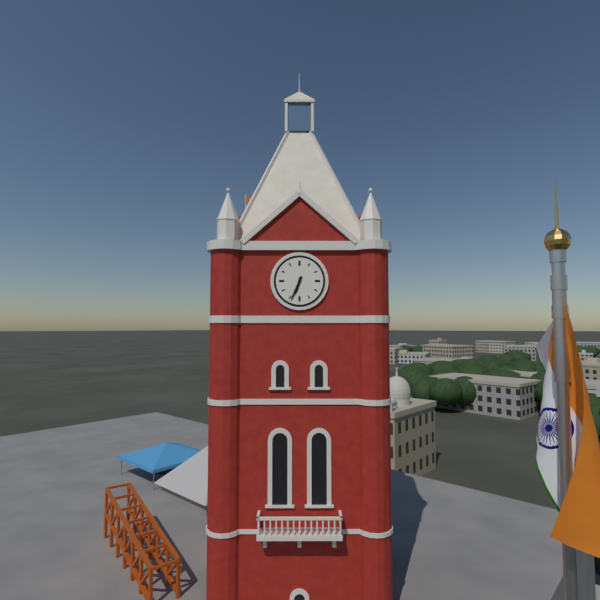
6:34
